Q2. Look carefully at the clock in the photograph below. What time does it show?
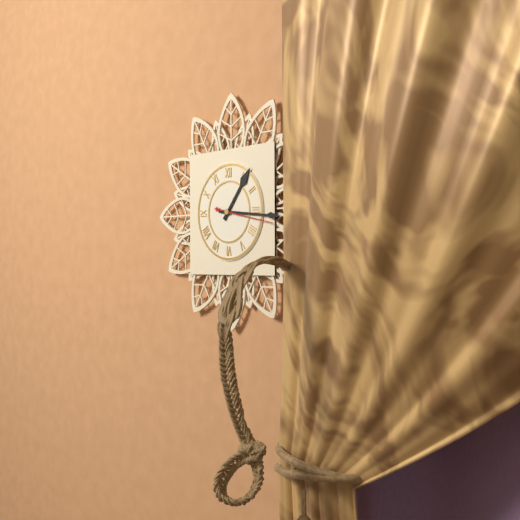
1:16:17
